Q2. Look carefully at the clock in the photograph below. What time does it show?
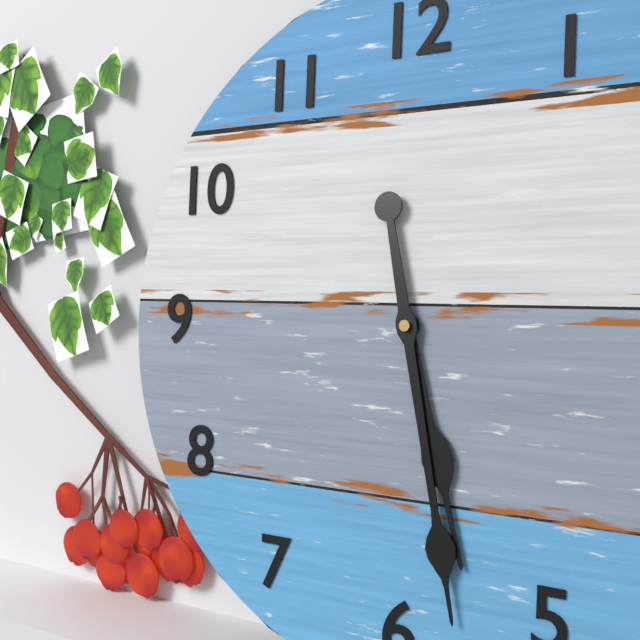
5:28
